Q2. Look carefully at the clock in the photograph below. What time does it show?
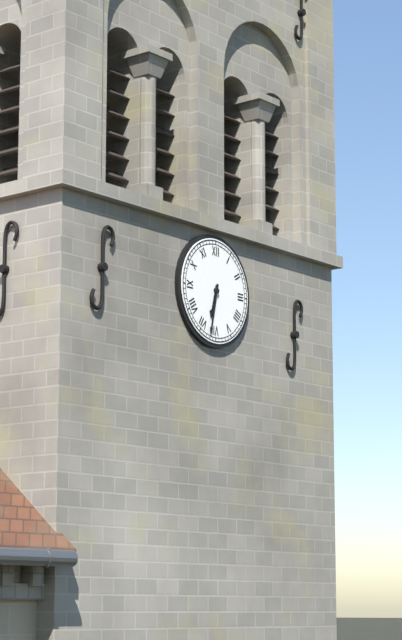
6:32
